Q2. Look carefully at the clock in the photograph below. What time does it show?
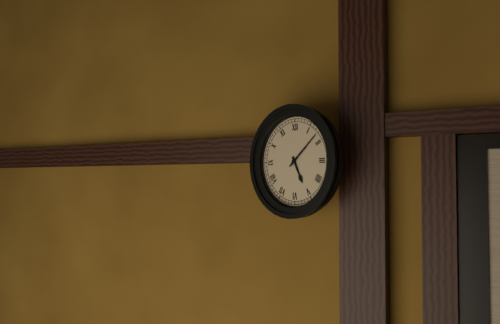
5:08
